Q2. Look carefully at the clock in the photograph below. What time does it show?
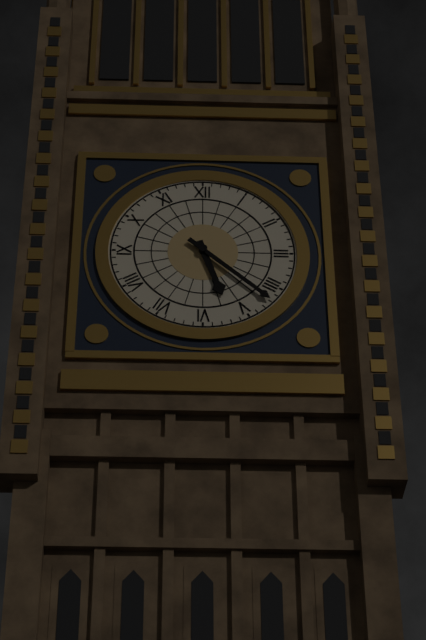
5:22
